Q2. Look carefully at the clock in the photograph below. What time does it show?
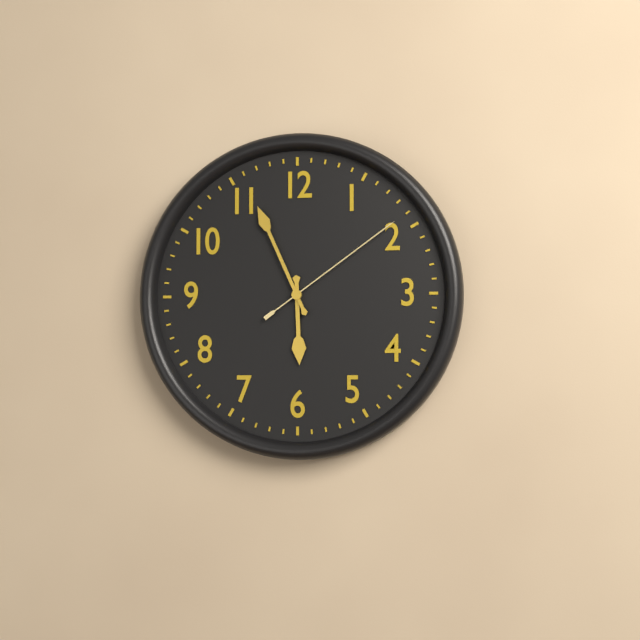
5:56:09
